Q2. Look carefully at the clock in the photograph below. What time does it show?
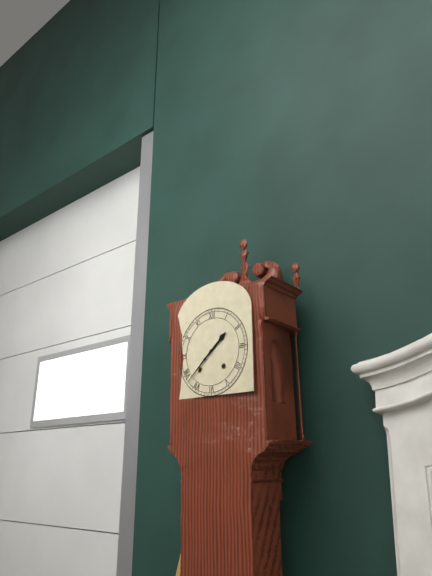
1:38
